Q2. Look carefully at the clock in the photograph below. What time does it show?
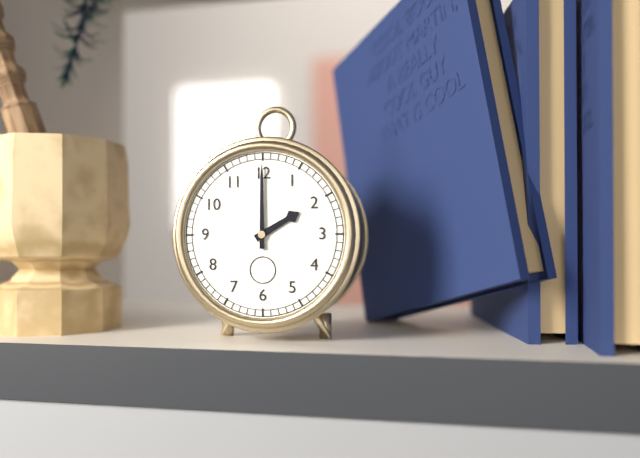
2:00
